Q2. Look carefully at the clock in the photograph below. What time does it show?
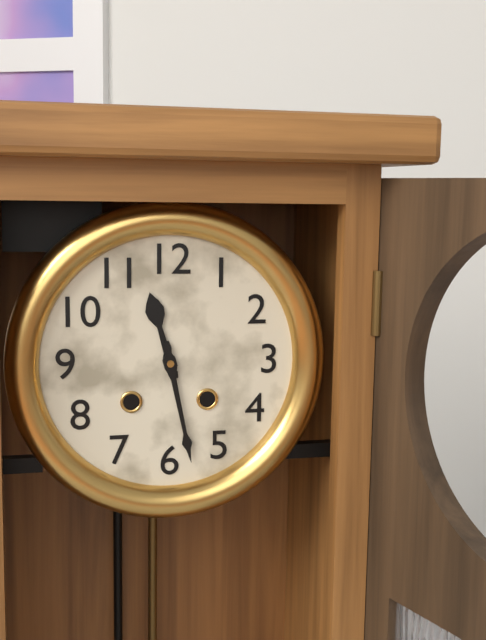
11:28
